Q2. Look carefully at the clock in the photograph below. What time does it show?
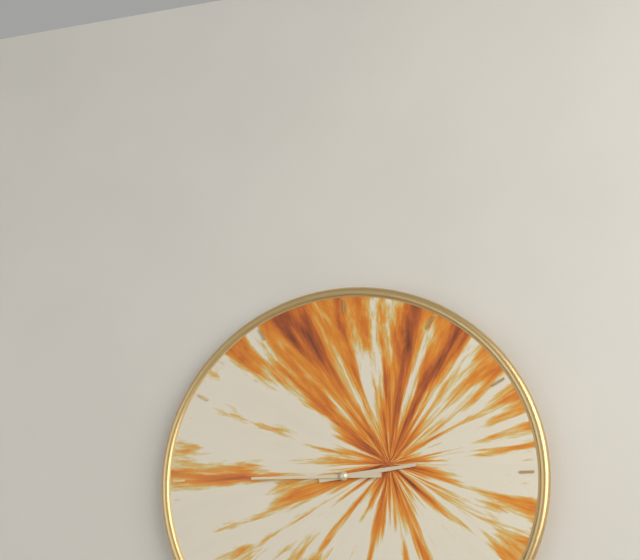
2:45
